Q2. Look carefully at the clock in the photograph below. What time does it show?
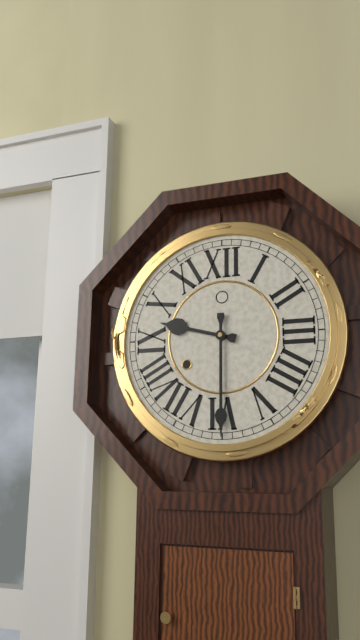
9:30
